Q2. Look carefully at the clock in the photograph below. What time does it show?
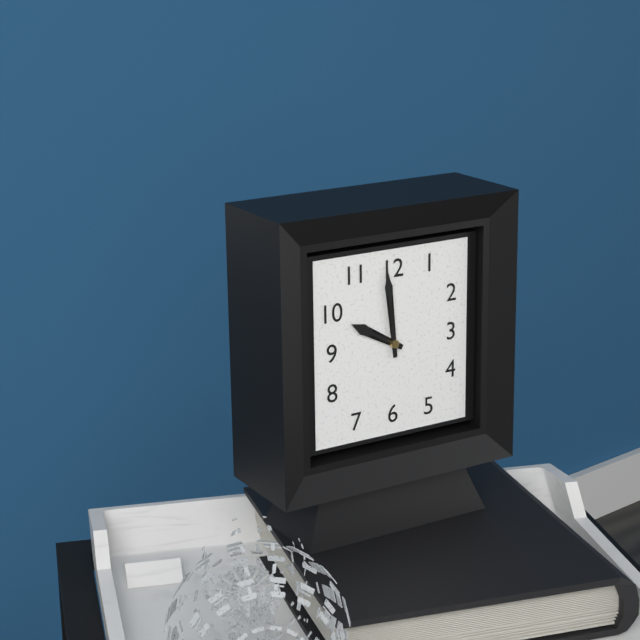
9:59
